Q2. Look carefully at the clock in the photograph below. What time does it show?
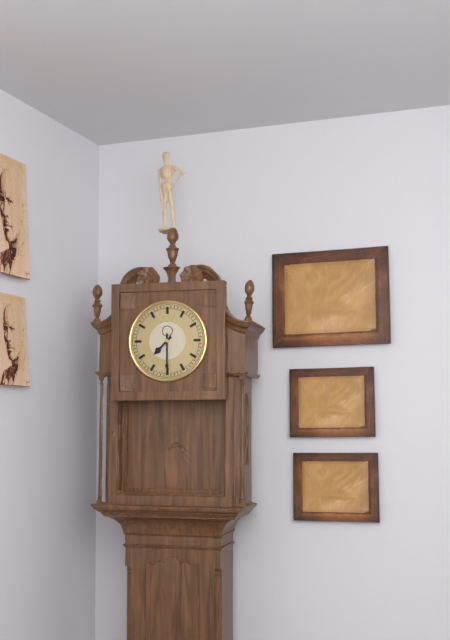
7:30
